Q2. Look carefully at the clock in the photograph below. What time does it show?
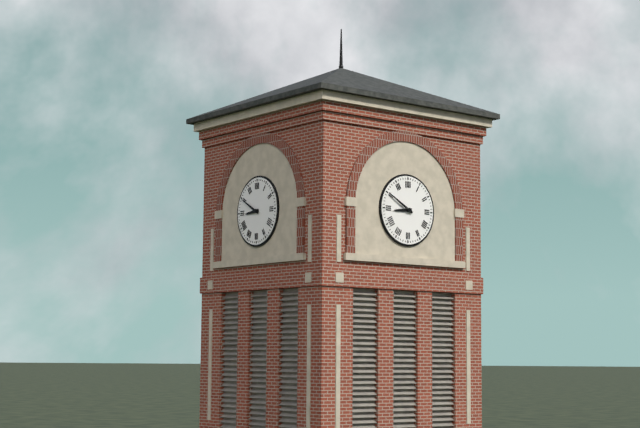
8:50
